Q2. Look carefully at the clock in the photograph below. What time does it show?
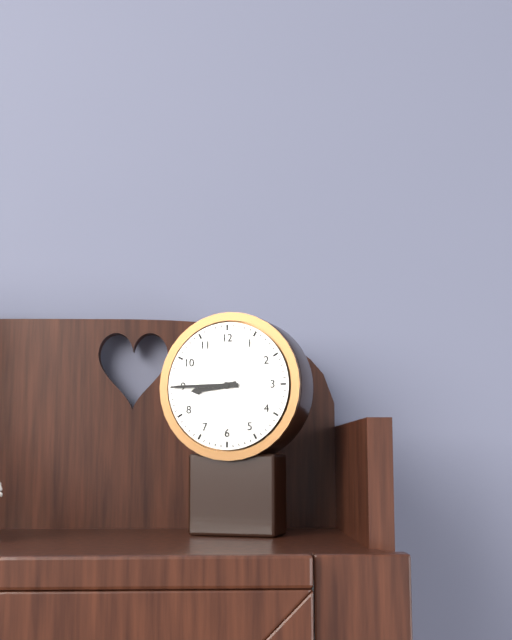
8:45
